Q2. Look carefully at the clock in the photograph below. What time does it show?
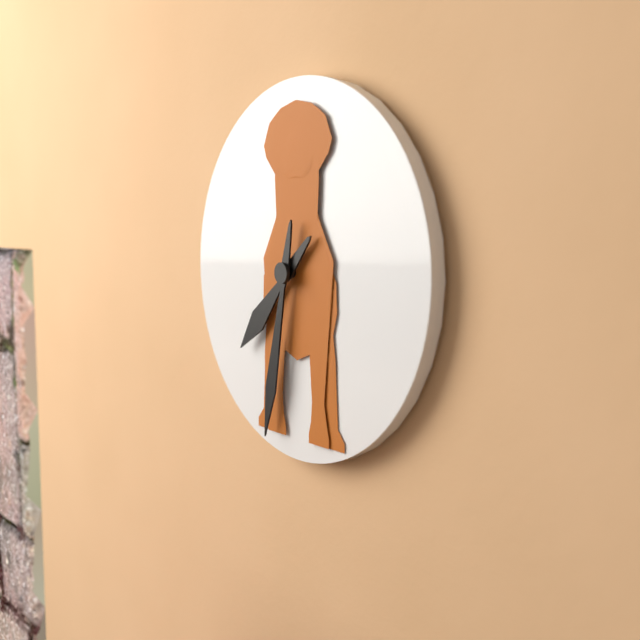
7:32
